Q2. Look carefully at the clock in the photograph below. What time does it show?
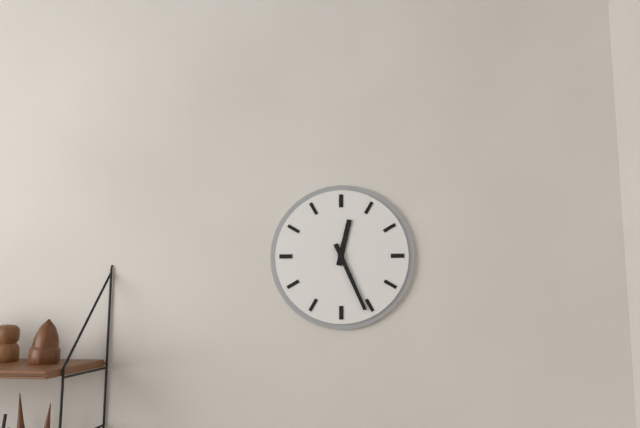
12:26
